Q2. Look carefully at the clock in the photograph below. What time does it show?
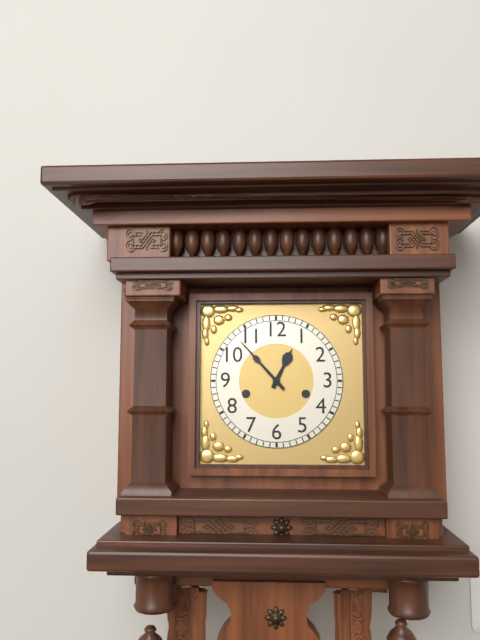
12:53
